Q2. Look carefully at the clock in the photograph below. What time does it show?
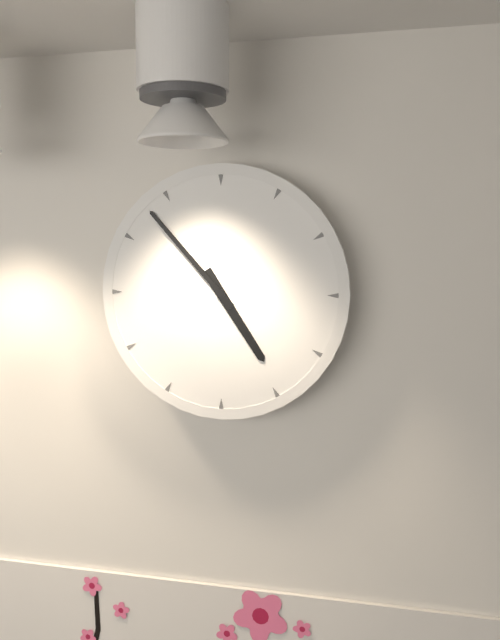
4:53
